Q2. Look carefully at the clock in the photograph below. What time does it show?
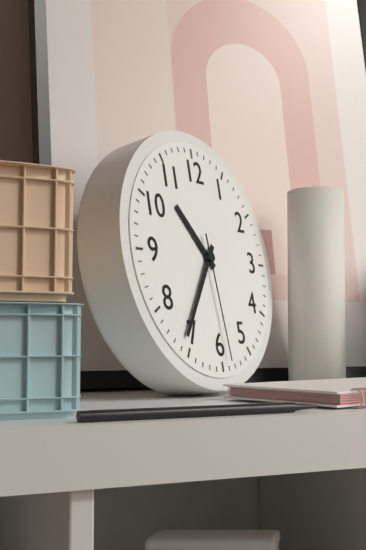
10:36:29
